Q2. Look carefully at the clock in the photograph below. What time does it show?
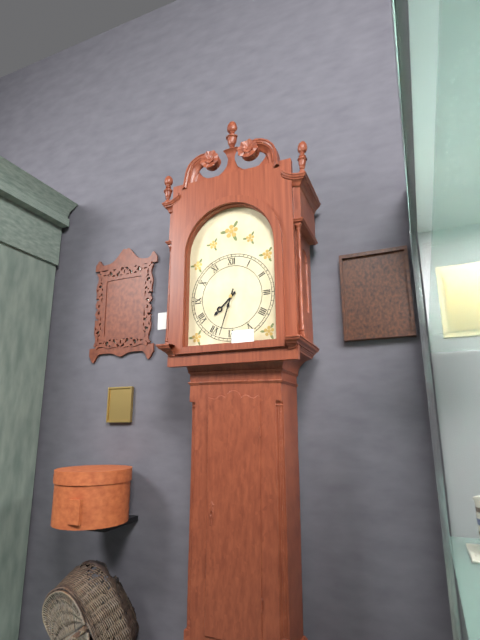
7:33
